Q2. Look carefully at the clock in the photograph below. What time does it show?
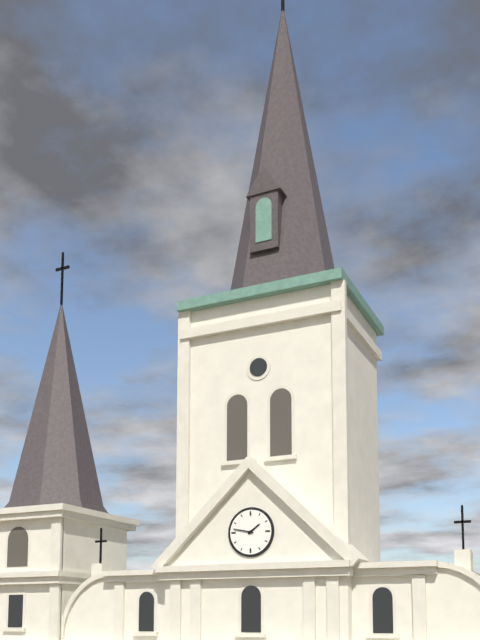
1:47
